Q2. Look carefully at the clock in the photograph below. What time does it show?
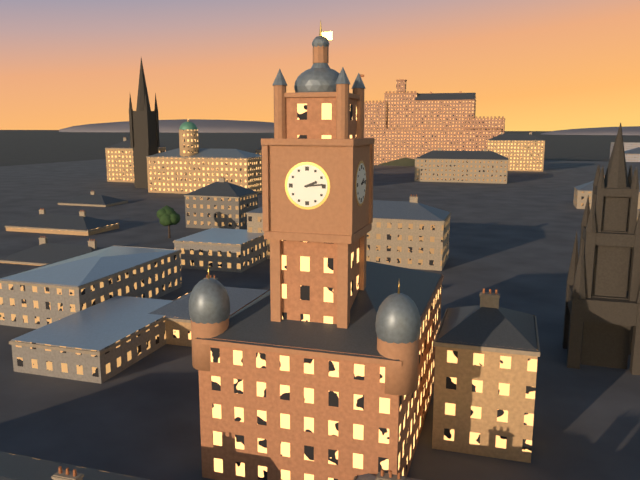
2:14
